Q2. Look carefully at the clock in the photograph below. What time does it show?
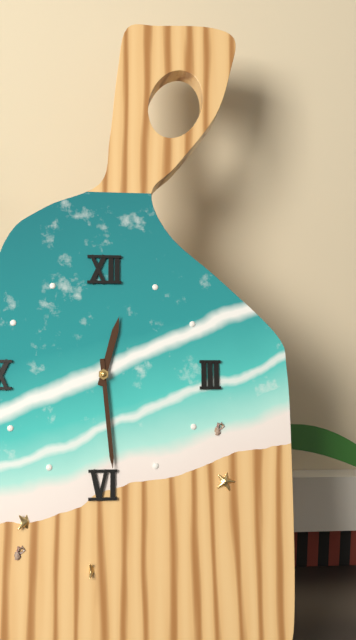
12:29
